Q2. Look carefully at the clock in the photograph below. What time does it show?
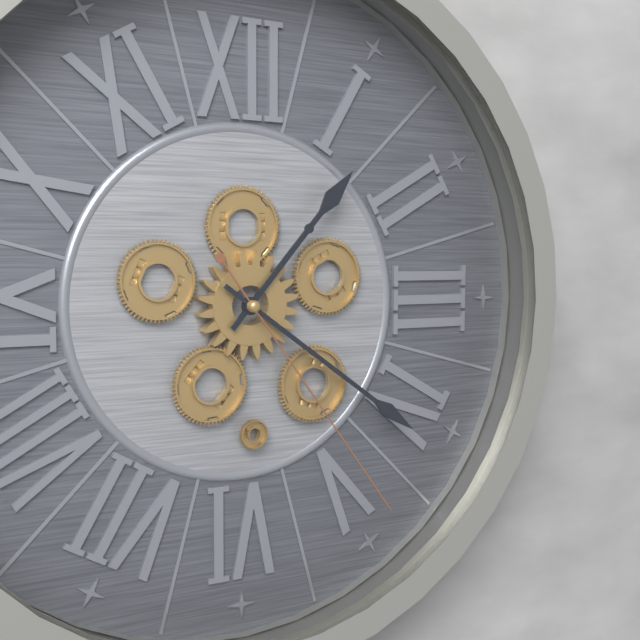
1:21:24
